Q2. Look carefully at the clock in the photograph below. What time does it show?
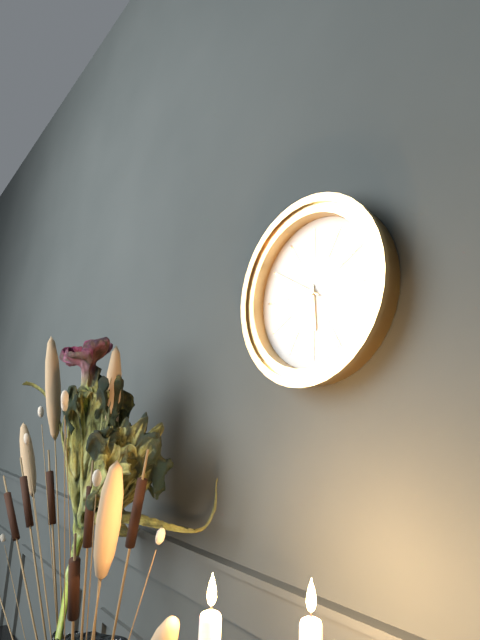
5:50
